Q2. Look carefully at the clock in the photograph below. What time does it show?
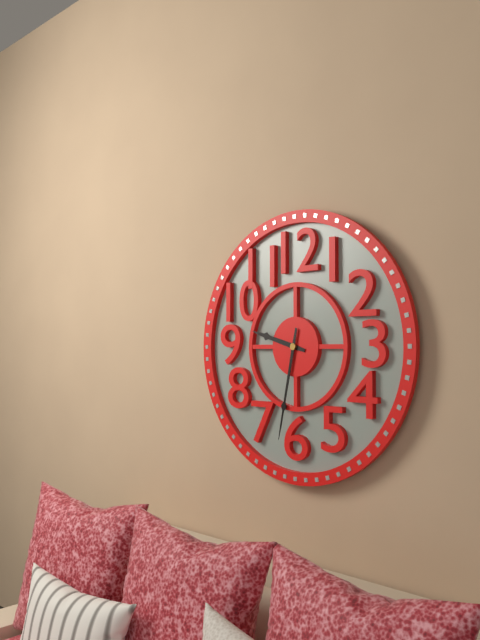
9:32
